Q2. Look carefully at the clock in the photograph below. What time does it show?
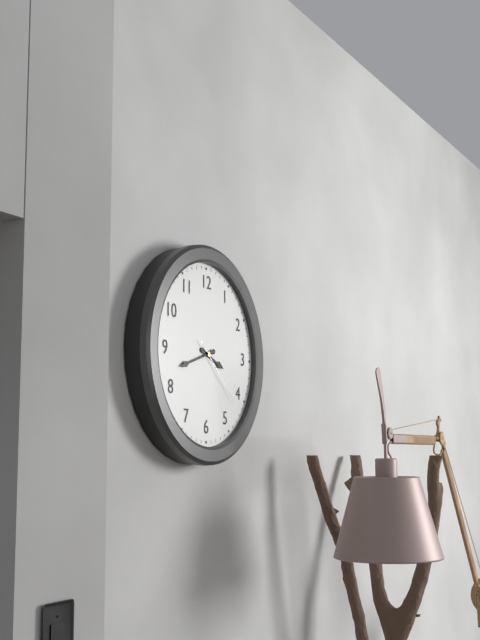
3:42:22
